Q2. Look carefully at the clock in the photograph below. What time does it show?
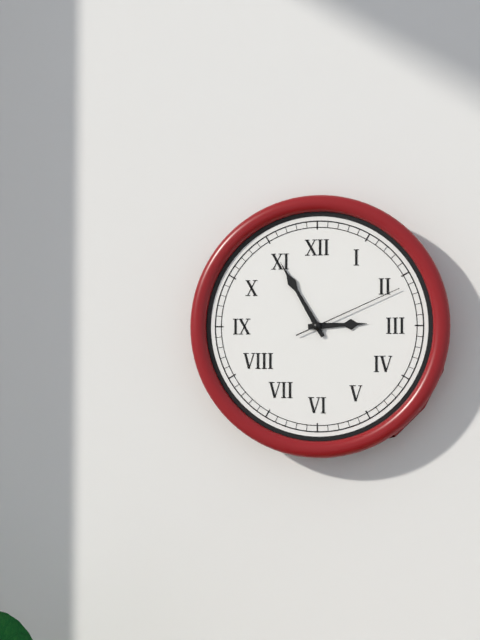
2:55:11
